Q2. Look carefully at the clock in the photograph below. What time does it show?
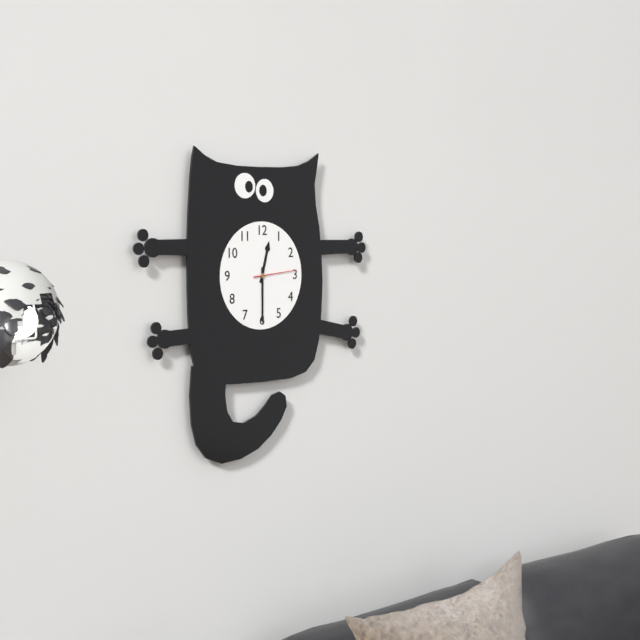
12:30
